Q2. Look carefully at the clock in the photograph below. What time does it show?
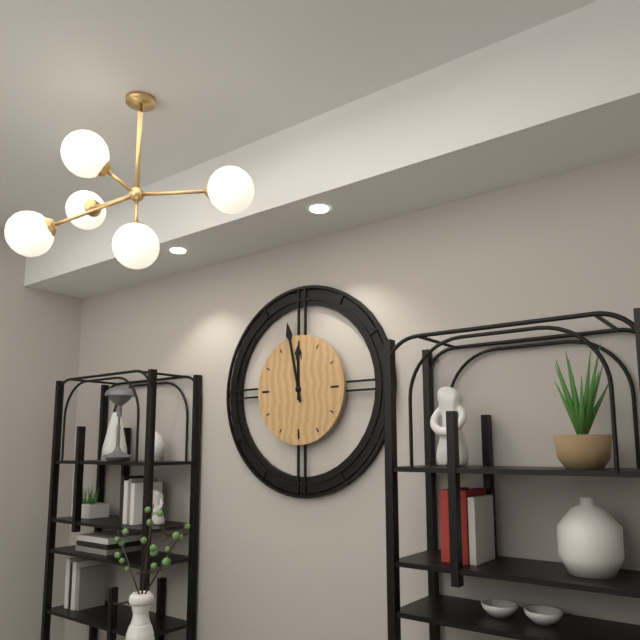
11:58
